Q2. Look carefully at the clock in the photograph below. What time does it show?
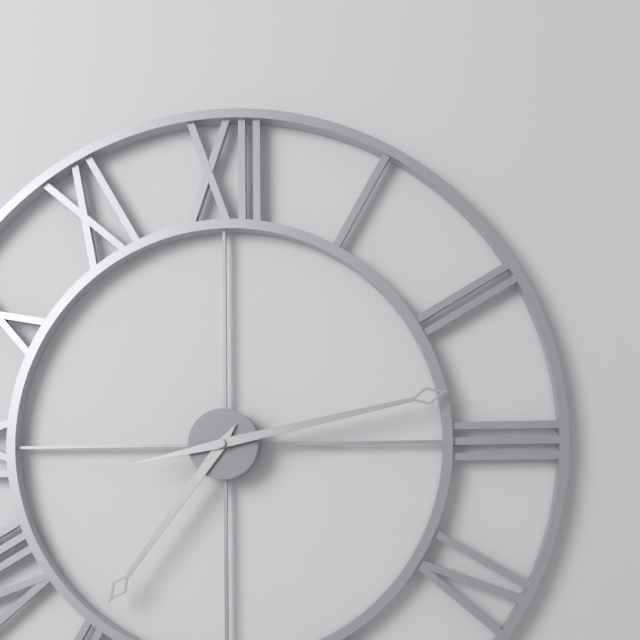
7:13
